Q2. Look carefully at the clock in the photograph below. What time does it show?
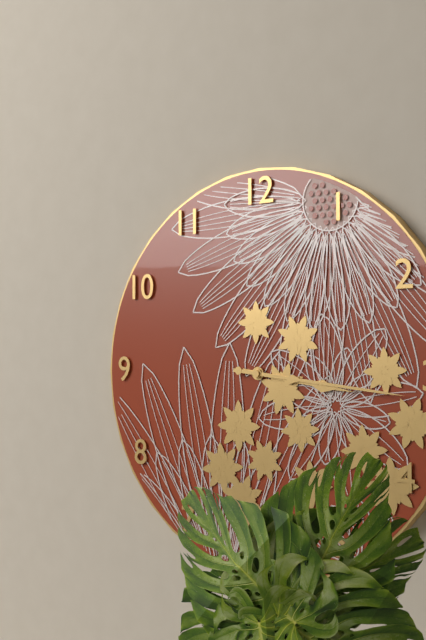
3:16
